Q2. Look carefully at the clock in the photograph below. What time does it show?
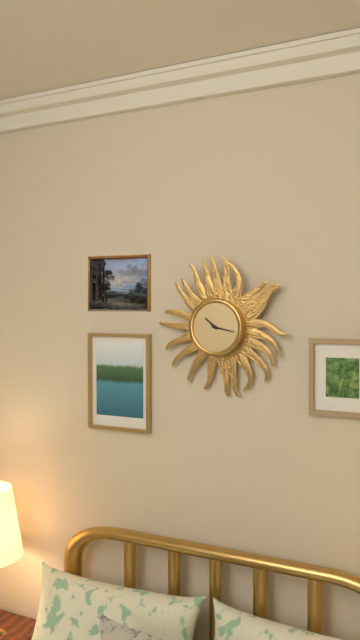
10:17
